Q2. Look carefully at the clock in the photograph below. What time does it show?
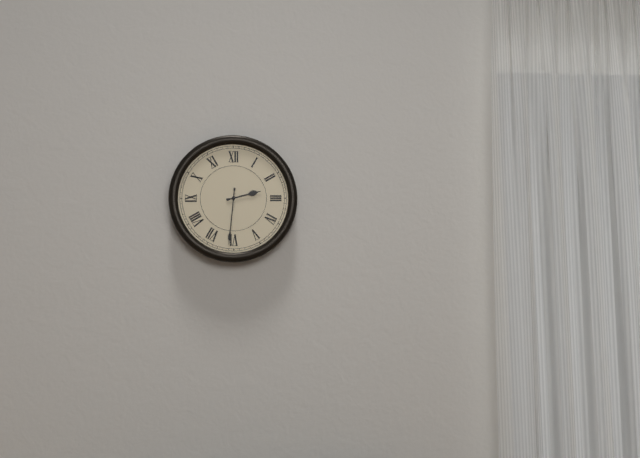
2:31
